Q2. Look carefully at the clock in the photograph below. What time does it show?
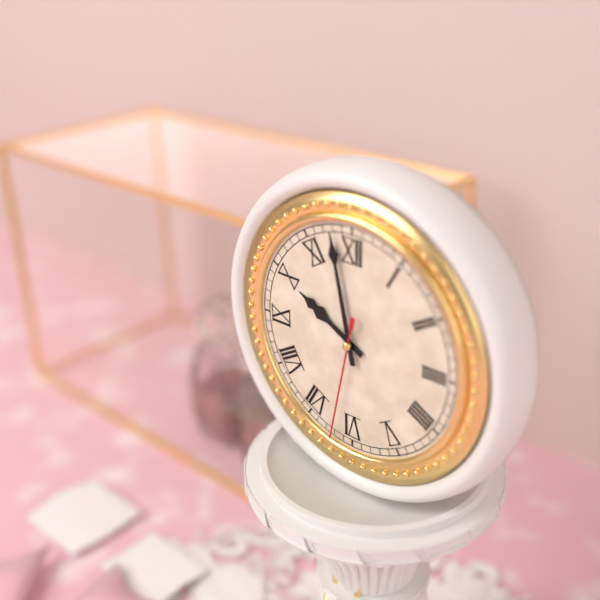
9:58:32
